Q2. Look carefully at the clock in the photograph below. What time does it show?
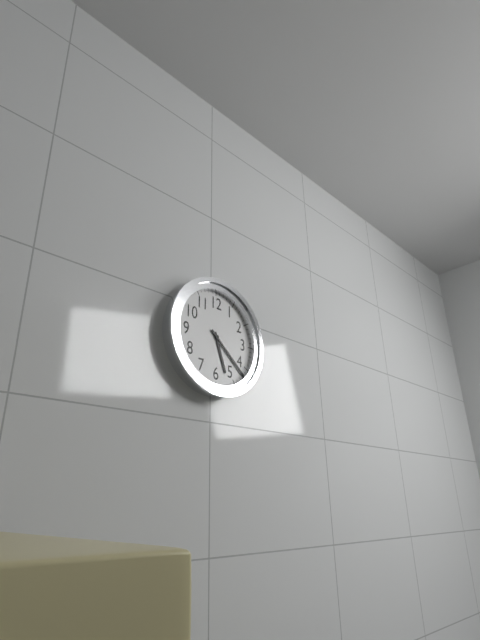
5:22
